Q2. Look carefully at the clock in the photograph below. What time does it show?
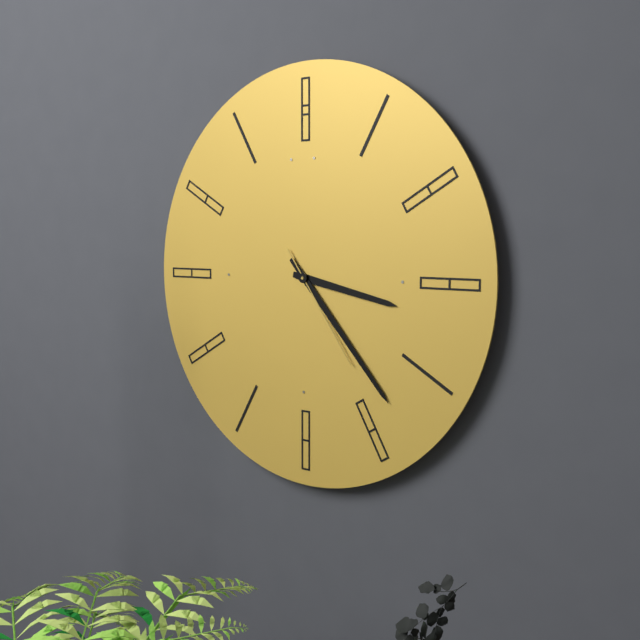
3:23:24
